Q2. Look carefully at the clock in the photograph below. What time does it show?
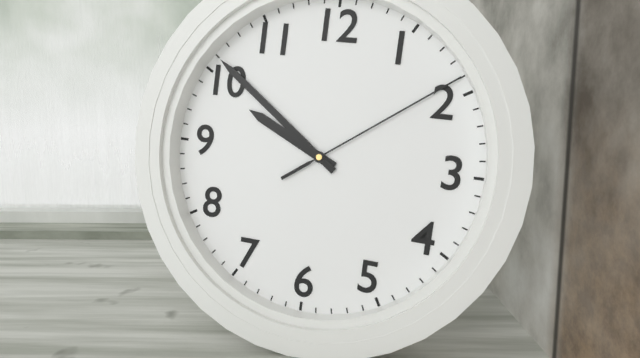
9:51:09
